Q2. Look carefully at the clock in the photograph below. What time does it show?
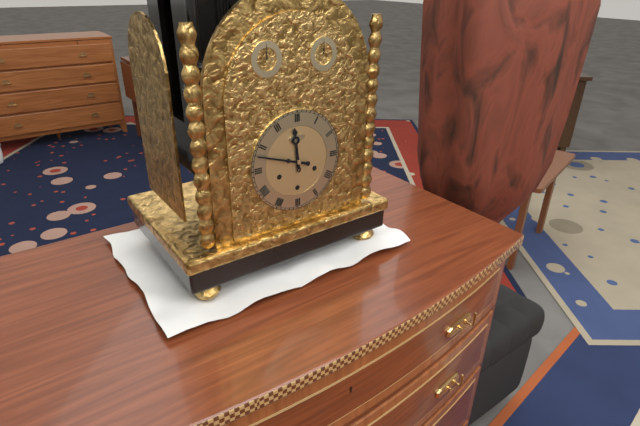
11:48
